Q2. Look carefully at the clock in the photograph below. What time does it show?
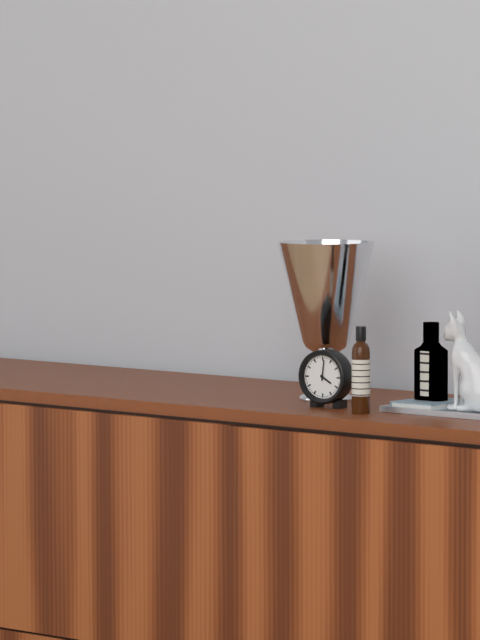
4:01
